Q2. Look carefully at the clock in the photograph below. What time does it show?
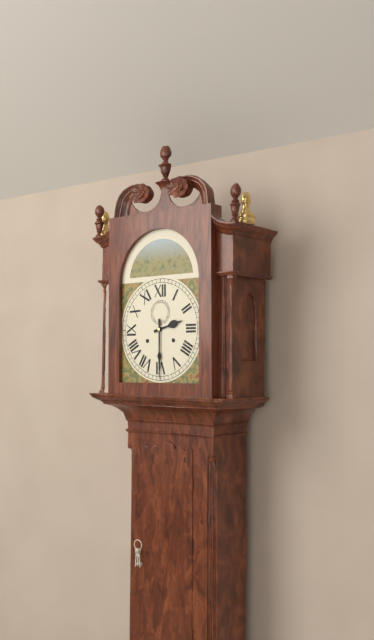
2:30
